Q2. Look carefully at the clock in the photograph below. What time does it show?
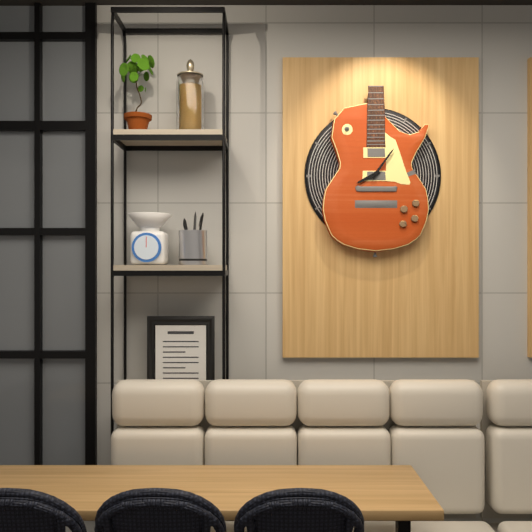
8:06
